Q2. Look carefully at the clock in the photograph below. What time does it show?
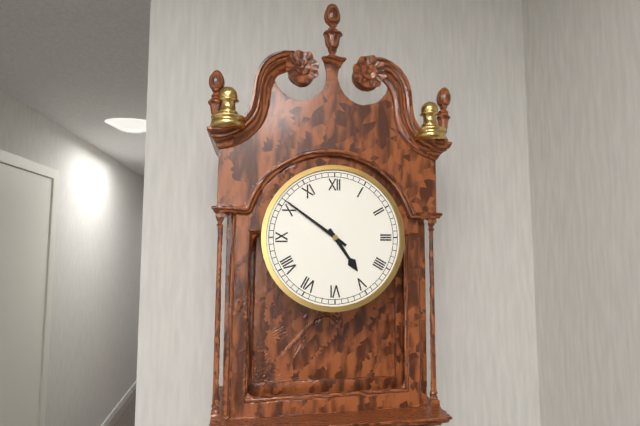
4:51
